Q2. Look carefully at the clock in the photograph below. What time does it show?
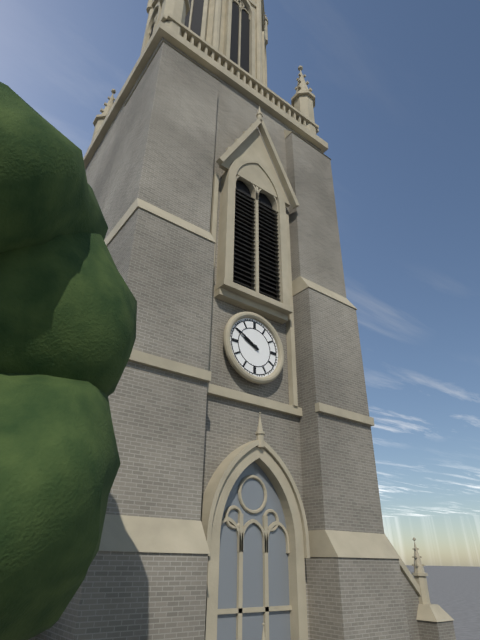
9:50
